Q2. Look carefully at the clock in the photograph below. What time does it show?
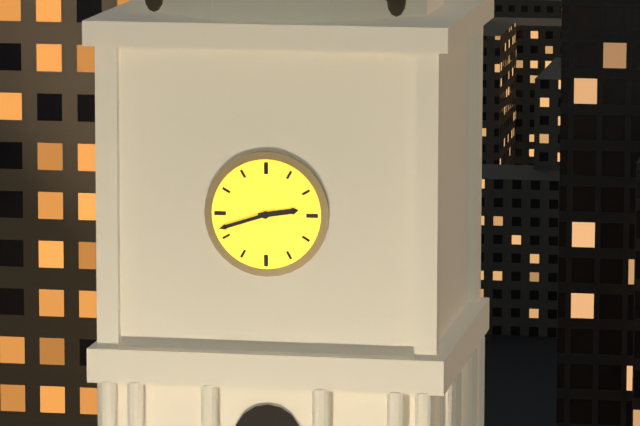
2:42
